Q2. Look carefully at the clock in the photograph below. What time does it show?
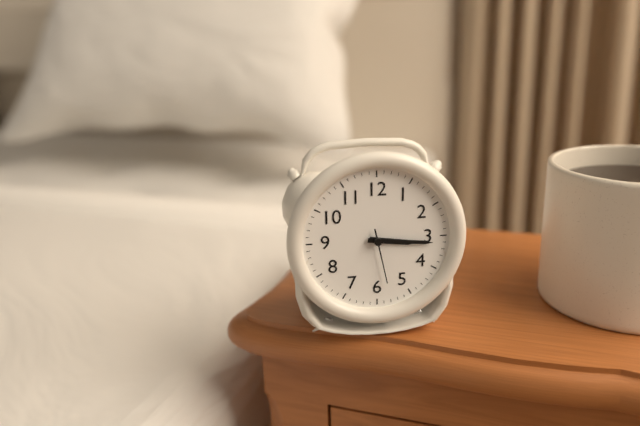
3:16:28
